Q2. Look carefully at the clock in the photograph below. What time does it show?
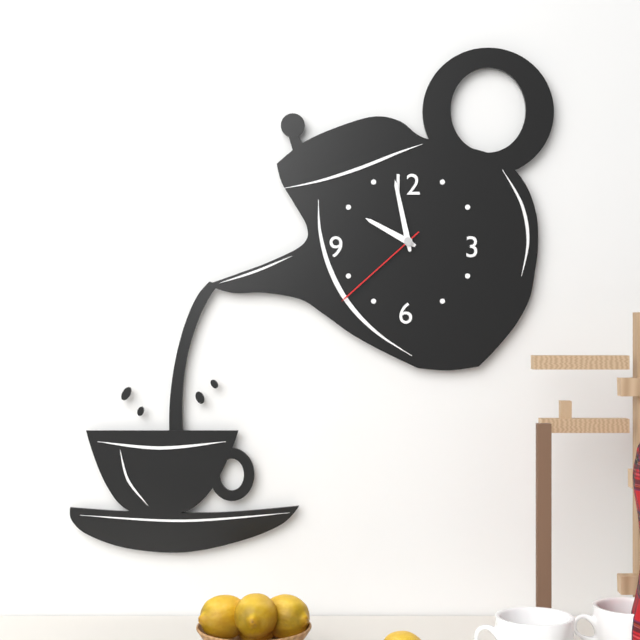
9:58:38
